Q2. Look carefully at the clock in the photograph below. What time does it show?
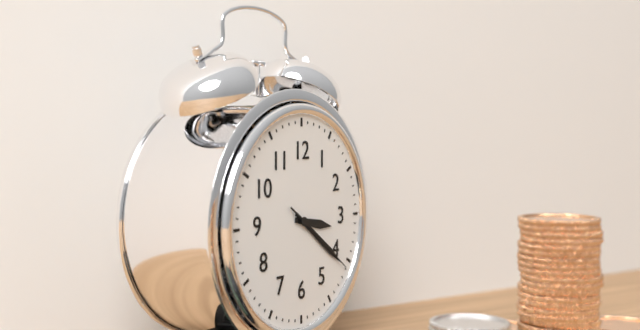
3:21:21
